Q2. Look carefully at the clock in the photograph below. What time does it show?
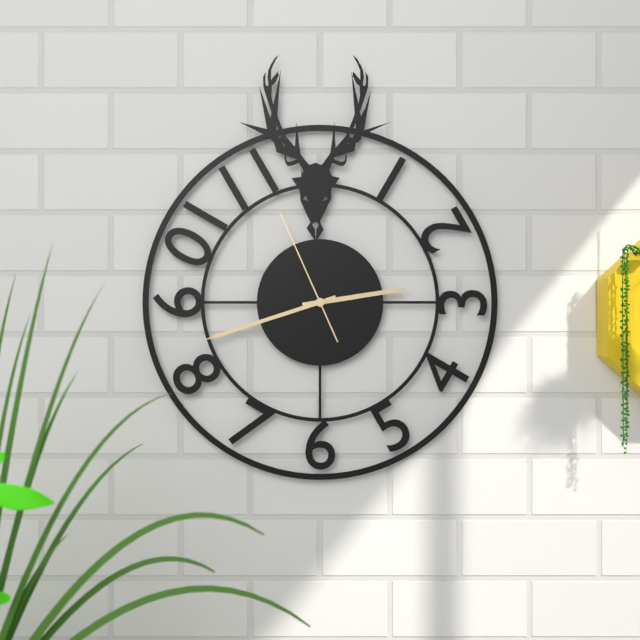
2:42:56
